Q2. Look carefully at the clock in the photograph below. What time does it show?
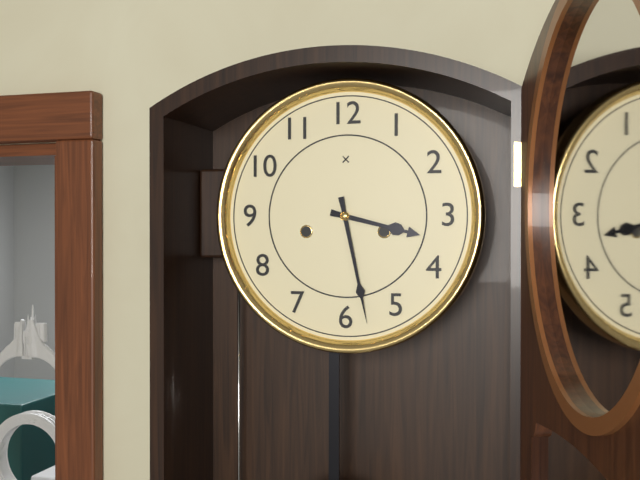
3:28
